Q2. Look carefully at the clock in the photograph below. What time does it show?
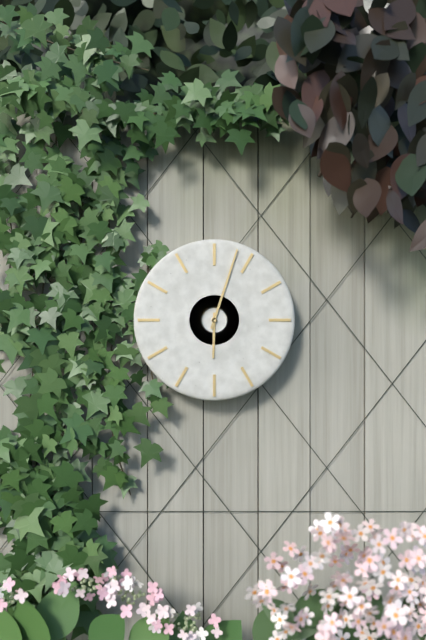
6:03
